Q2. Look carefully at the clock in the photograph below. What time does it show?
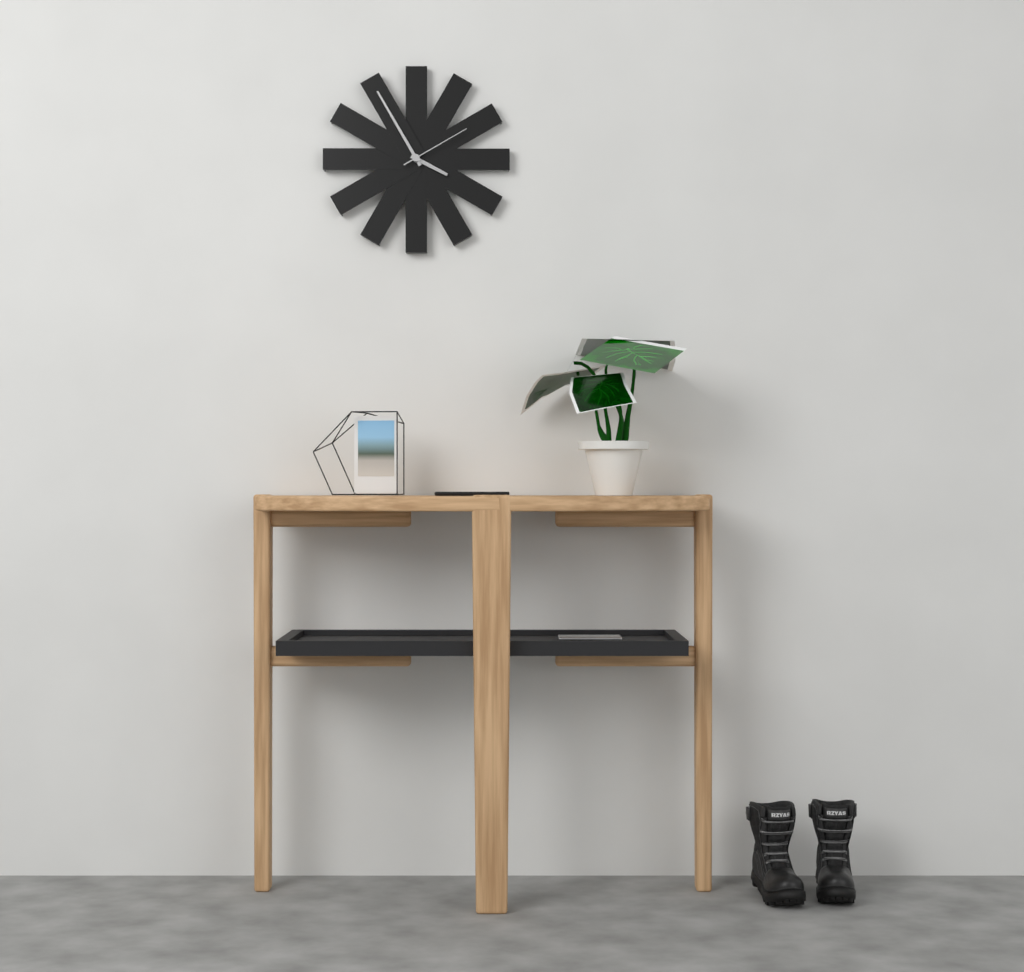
3:55:10
